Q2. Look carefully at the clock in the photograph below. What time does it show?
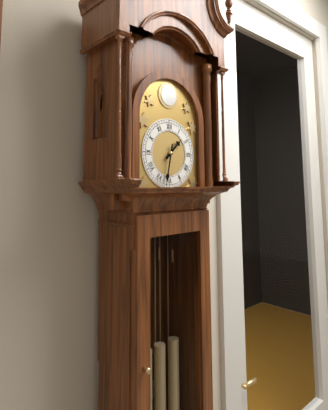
1:32
